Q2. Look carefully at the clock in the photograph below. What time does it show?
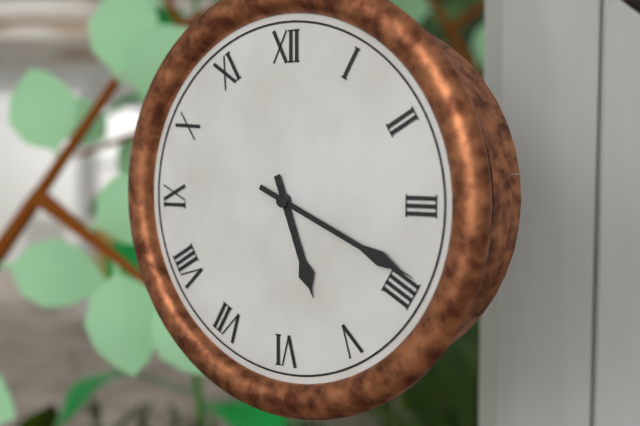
5:19
